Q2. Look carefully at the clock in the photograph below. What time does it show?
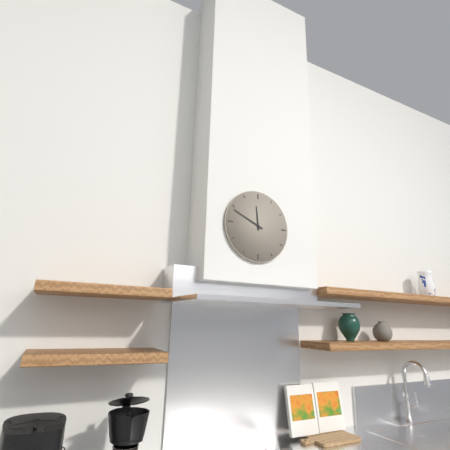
11:49
